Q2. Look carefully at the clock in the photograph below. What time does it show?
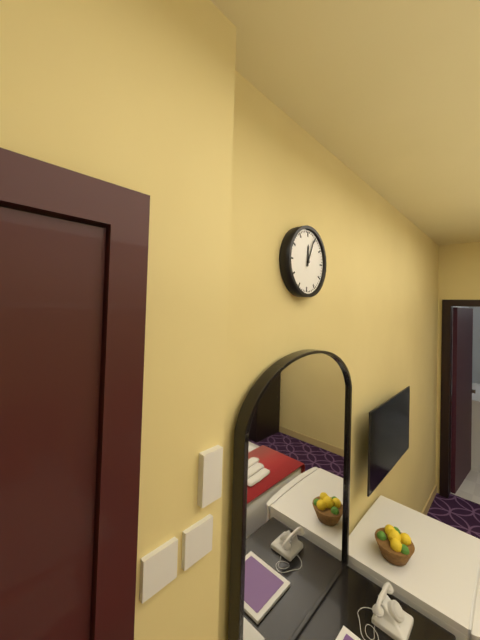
12:04
